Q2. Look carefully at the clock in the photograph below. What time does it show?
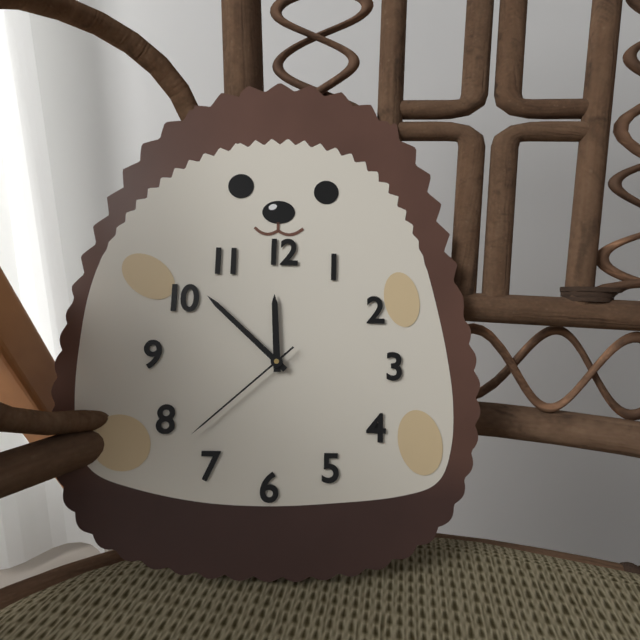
11:52:38
